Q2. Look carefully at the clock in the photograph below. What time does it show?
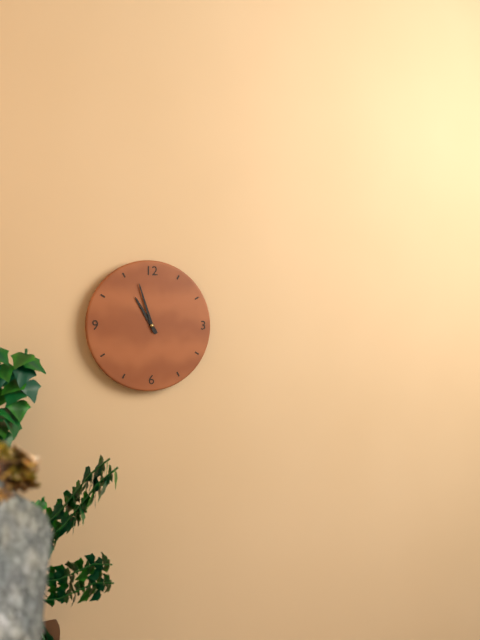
10:57
